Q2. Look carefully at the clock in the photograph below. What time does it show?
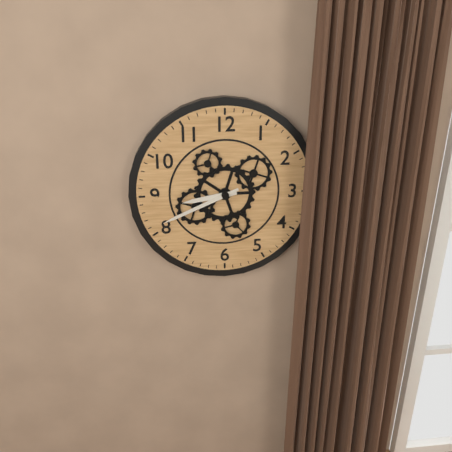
8:41
